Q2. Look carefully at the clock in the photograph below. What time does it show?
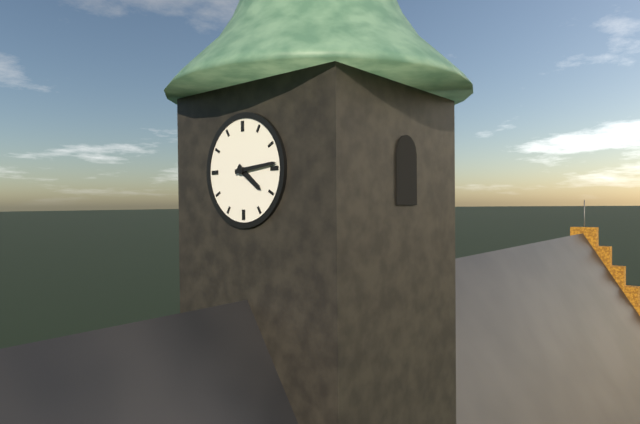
4:14
